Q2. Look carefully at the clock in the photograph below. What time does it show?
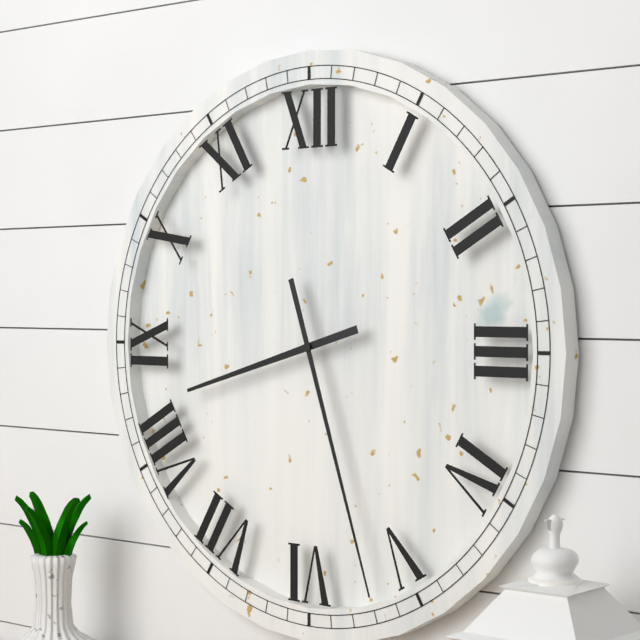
8:27
